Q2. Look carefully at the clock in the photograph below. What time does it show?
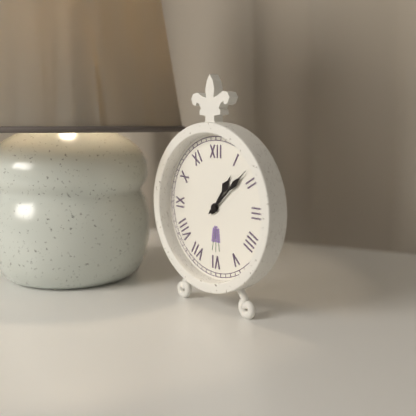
1:08
